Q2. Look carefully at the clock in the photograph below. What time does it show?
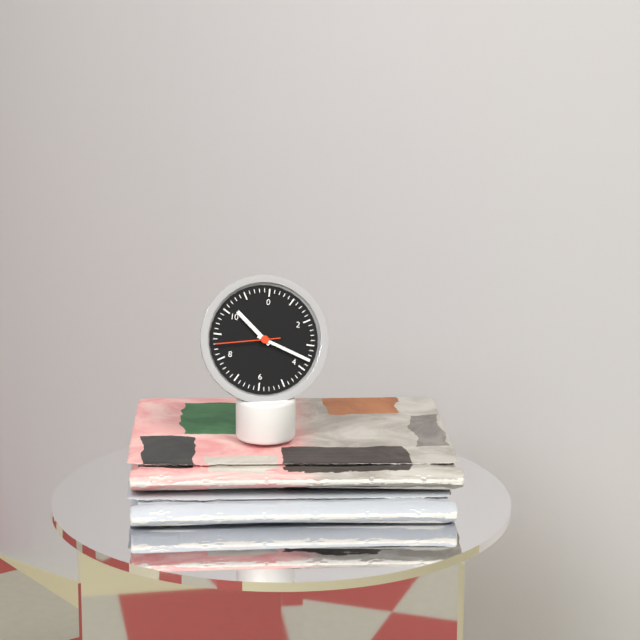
10:18:43
